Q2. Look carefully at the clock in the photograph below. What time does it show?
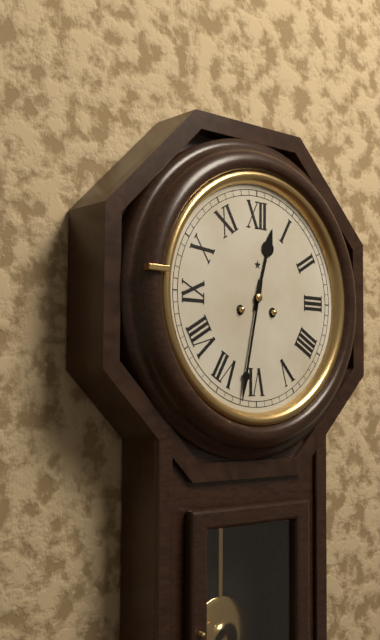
12:32
